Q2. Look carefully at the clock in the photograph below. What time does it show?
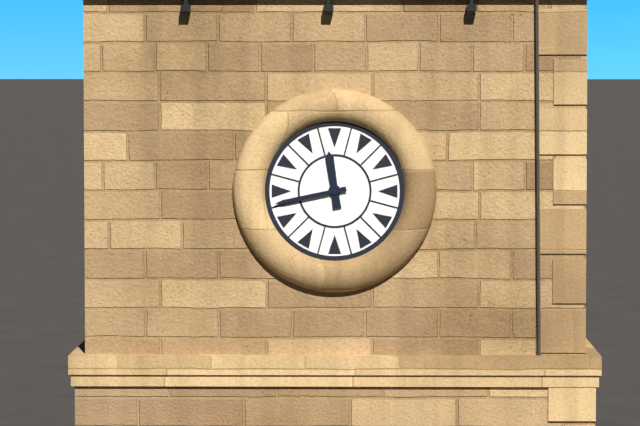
11:43
